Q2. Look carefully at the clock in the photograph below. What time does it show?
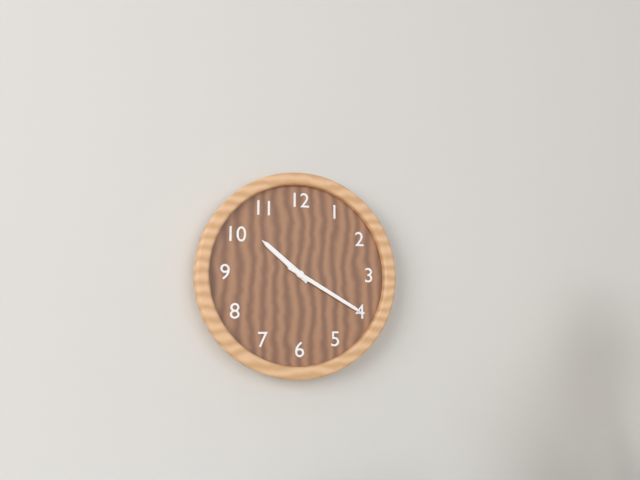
10:20
